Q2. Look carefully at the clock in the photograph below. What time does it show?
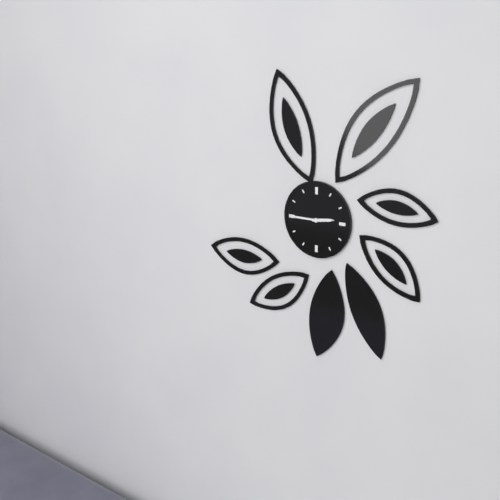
2:45
